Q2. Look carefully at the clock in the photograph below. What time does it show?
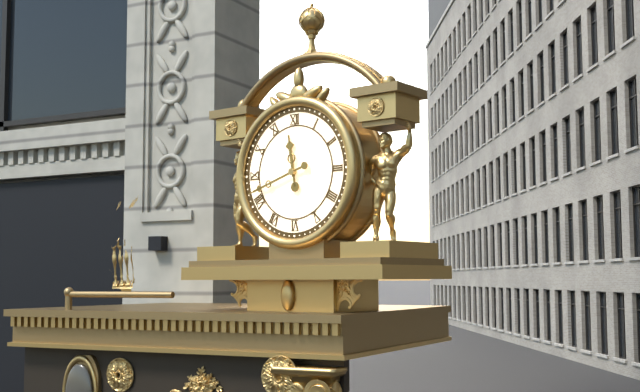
11:42
